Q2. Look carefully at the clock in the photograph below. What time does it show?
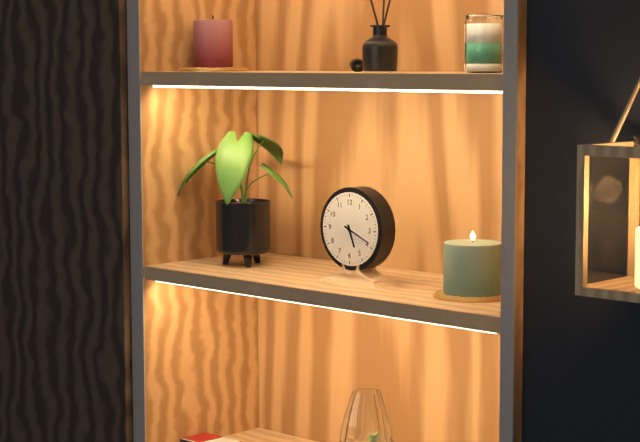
5:19
